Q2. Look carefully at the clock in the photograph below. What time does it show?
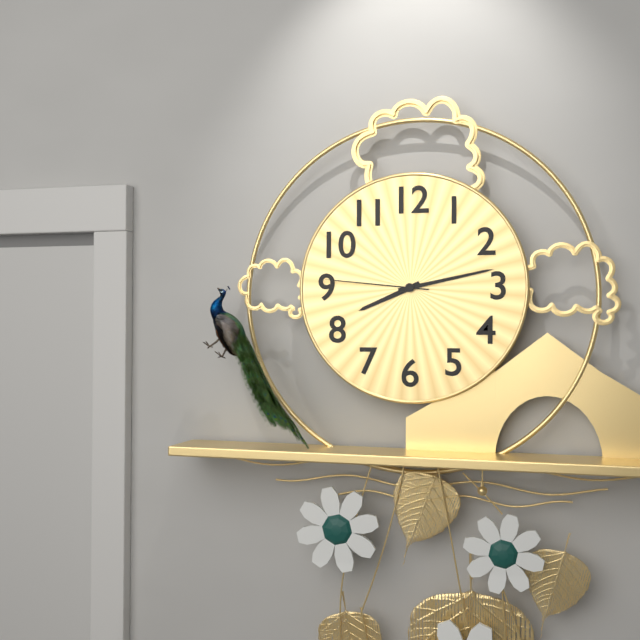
8:13:46
